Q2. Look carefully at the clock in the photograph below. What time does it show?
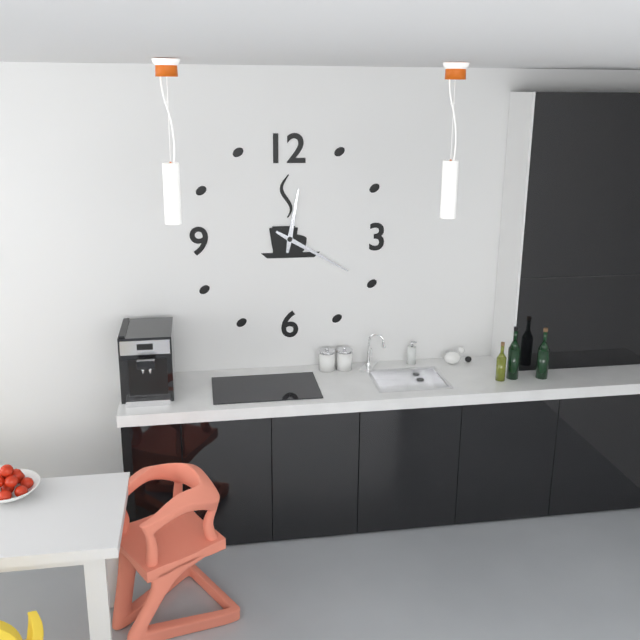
12:20
